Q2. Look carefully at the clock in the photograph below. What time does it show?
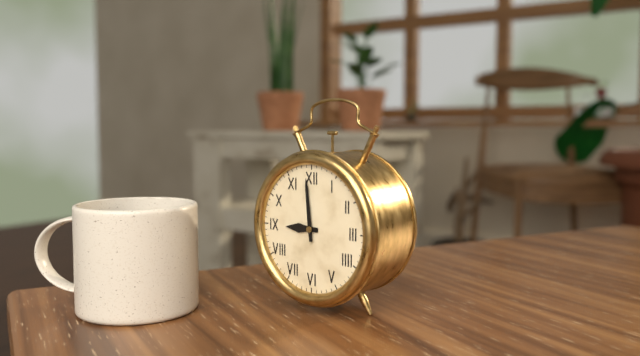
8:59
